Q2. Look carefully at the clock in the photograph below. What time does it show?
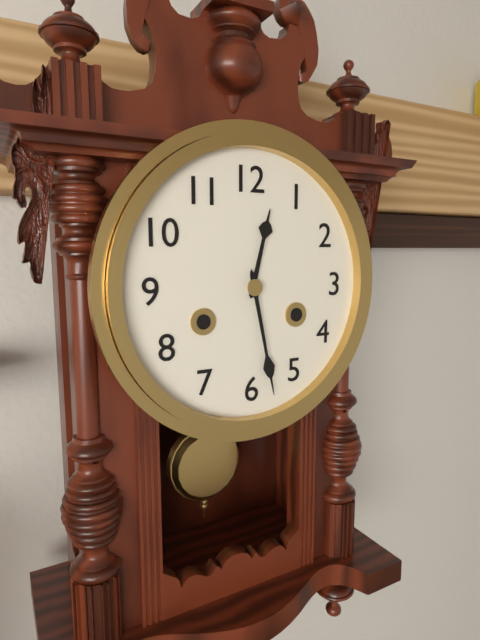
12:28
